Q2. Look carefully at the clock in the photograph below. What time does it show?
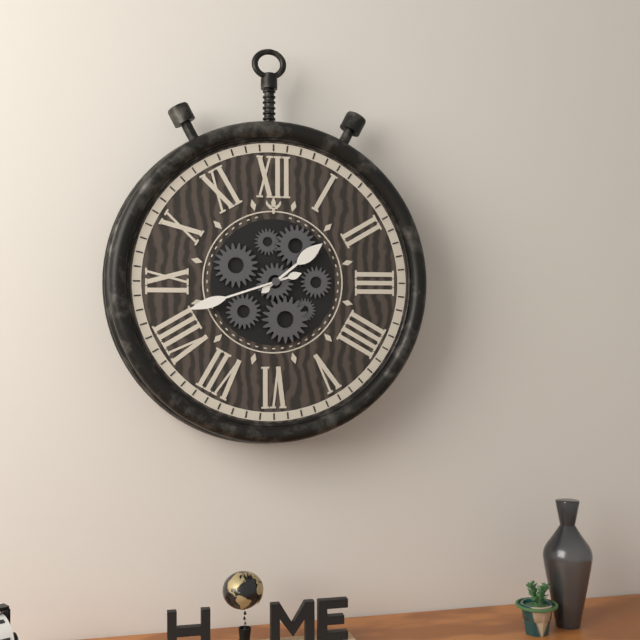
1:42
